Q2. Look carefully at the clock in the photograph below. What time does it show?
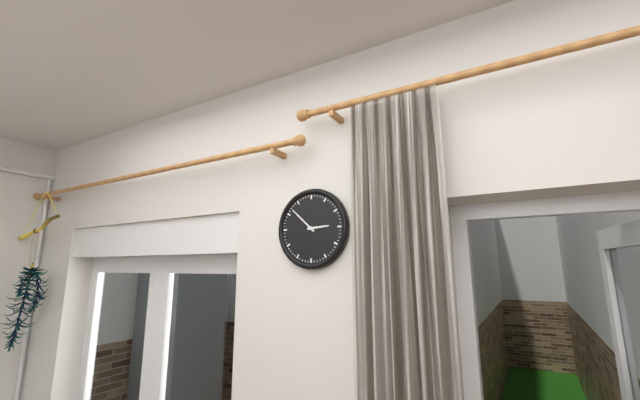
2:52
